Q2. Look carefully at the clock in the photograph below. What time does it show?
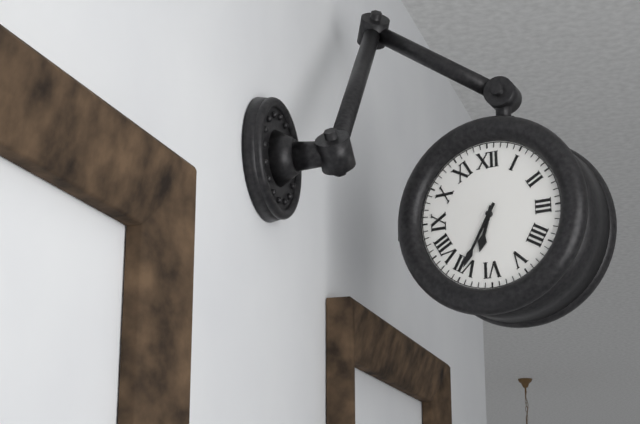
6:35
